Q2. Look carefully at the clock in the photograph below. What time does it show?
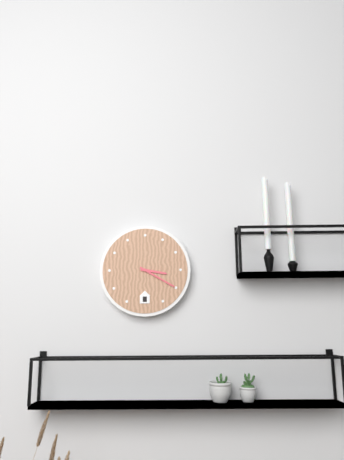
3:20
